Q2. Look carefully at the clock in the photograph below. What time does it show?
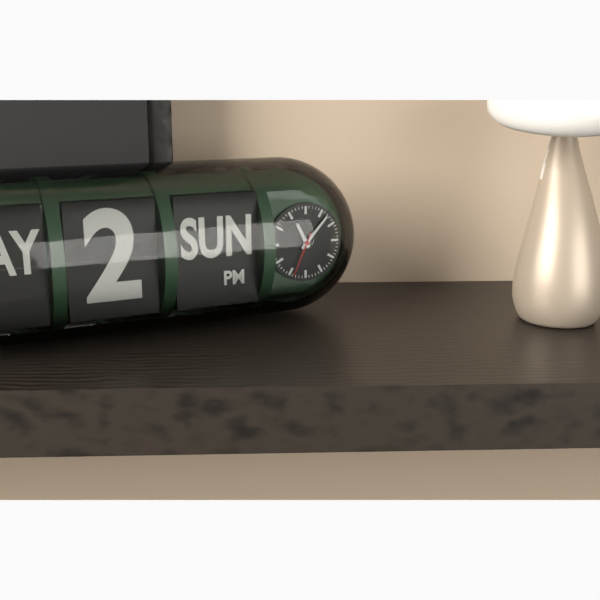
11:07
